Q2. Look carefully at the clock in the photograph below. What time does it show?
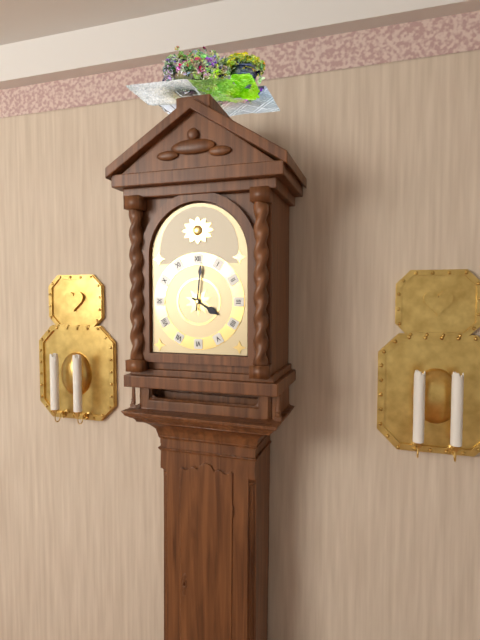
4:01
